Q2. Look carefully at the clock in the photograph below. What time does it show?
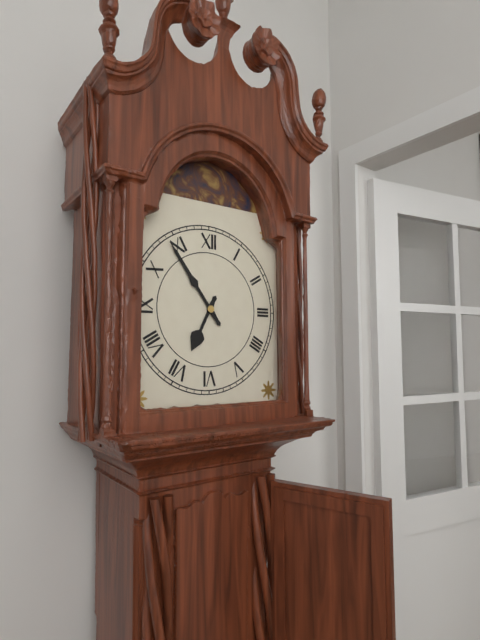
6:54
